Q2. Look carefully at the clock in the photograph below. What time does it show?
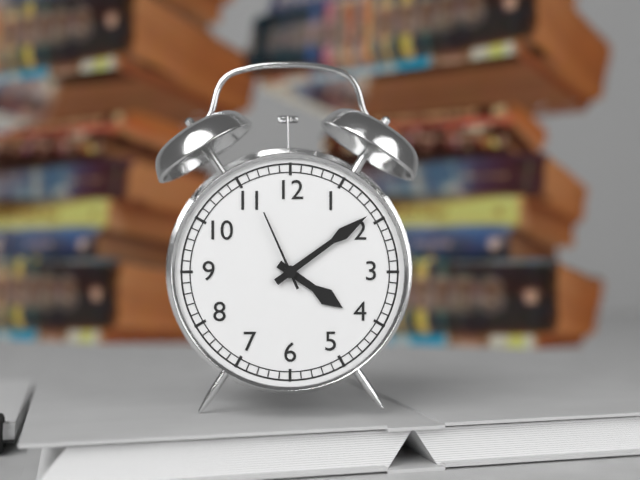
4:09:56
